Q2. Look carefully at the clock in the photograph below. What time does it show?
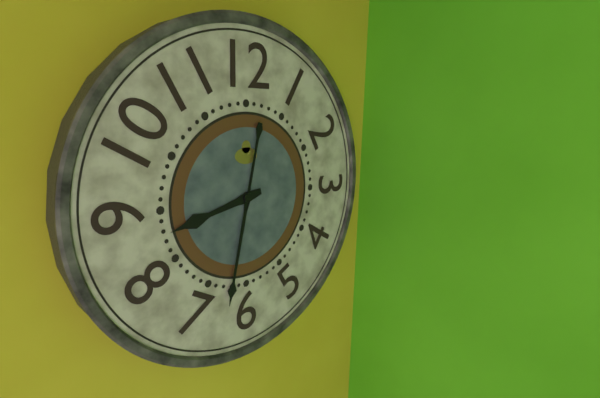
8:32
